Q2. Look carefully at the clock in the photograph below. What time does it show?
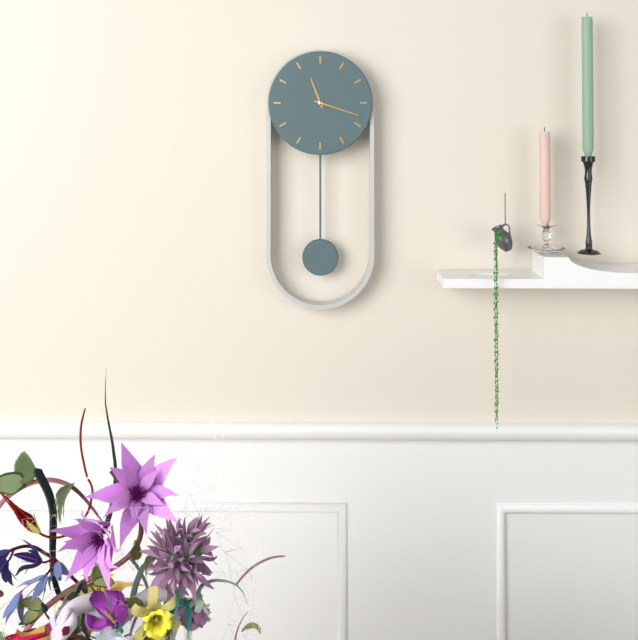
11:18
